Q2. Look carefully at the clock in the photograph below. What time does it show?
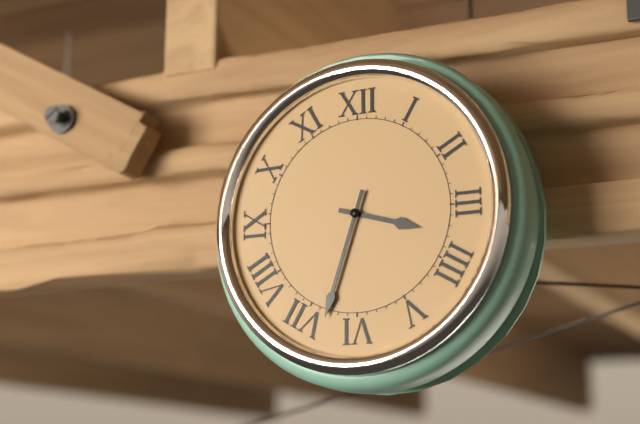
3:33
